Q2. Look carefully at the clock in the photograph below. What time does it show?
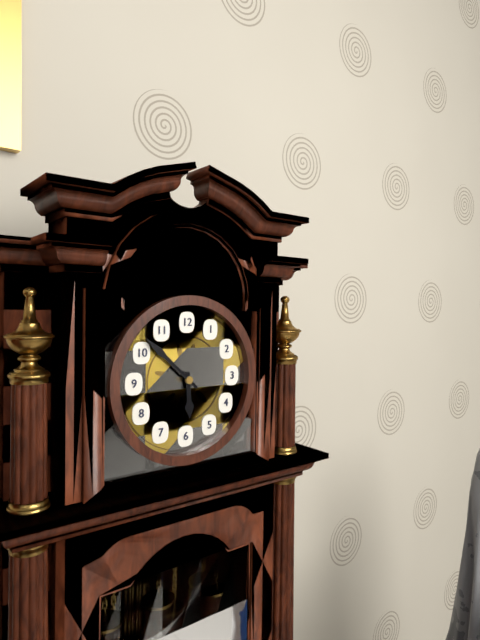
5:52
